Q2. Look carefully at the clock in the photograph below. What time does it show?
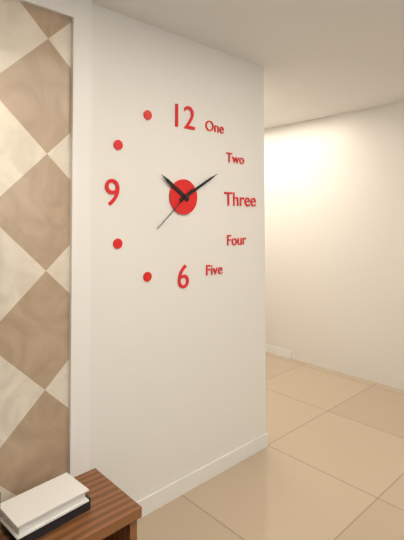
10:10:38
